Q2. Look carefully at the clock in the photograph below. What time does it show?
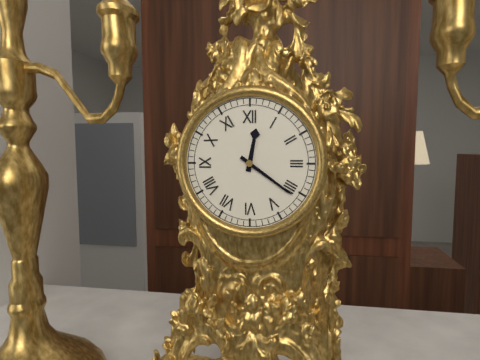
12:21
